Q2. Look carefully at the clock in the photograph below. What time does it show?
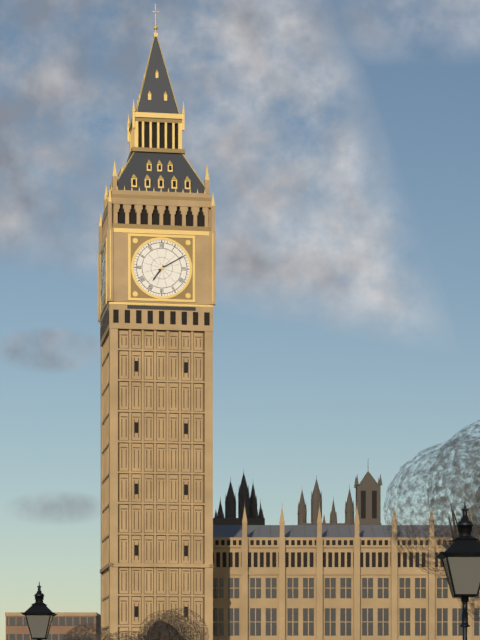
7:10
